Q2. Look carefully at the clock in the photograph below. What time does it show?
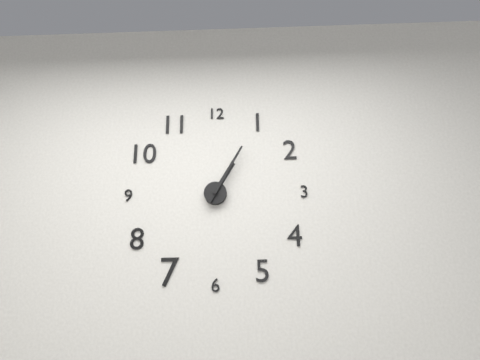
1:05
